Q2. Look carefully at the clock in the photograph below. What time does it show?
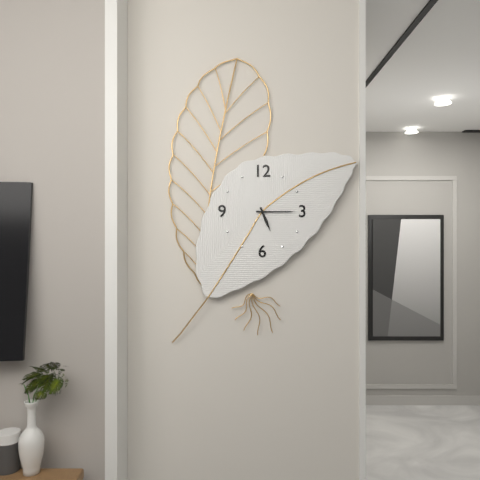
5:15
